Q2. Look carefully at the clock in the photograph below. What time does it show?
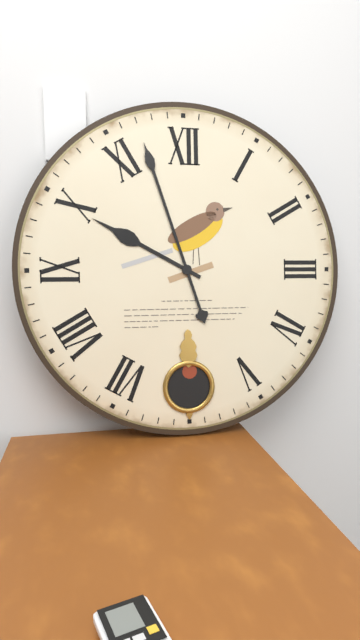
9:57
